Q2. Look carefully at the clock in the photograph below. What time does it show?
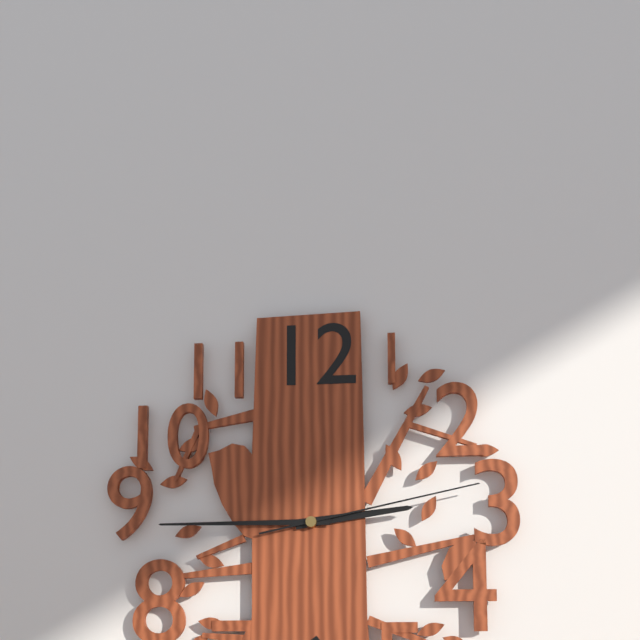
2:45:13
